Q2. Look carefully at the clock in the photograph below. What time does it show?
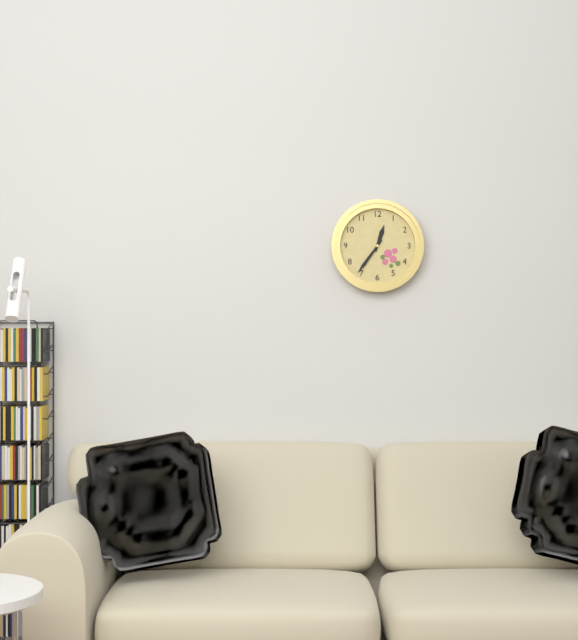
12:36
